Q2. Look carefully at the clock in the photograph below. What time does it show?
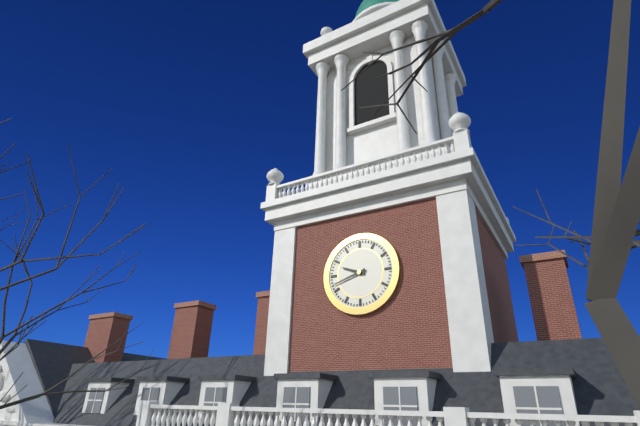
9:42
